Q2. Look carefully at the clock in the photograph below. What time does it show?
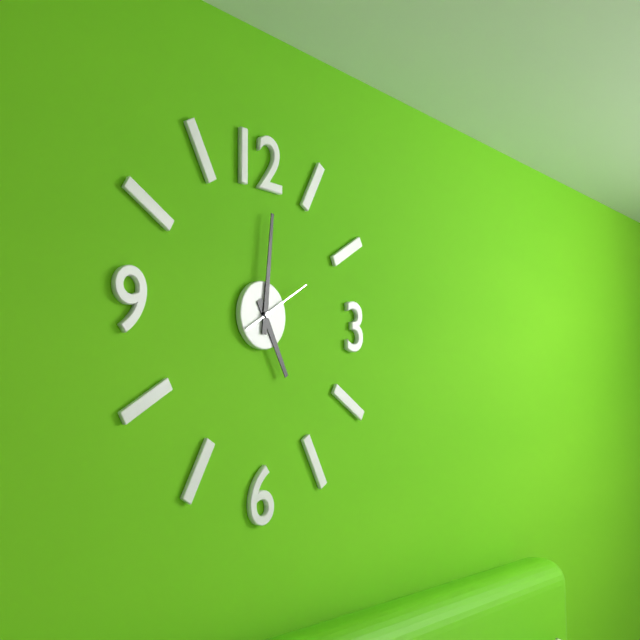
5:01:10
